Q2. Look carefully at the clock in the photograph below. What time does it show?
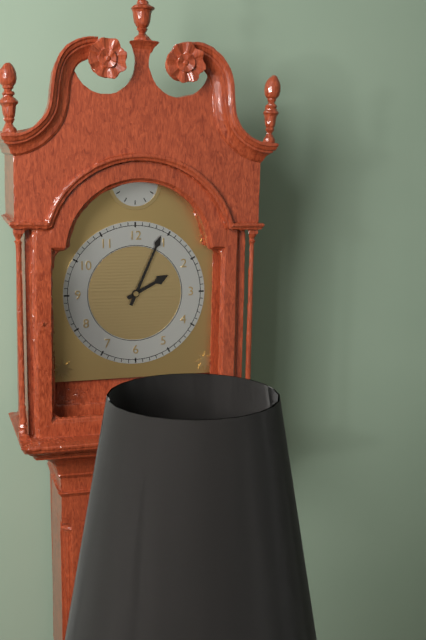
2:04
